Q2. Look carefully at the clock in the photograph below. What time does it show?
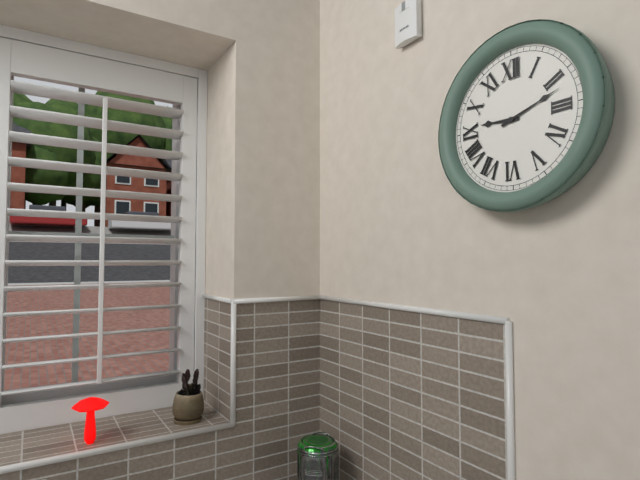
9:12
